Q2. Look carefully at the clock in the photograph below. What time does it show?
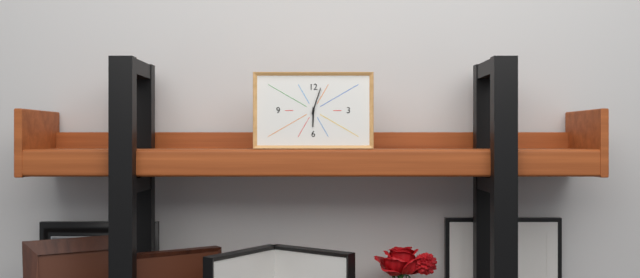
6:03
